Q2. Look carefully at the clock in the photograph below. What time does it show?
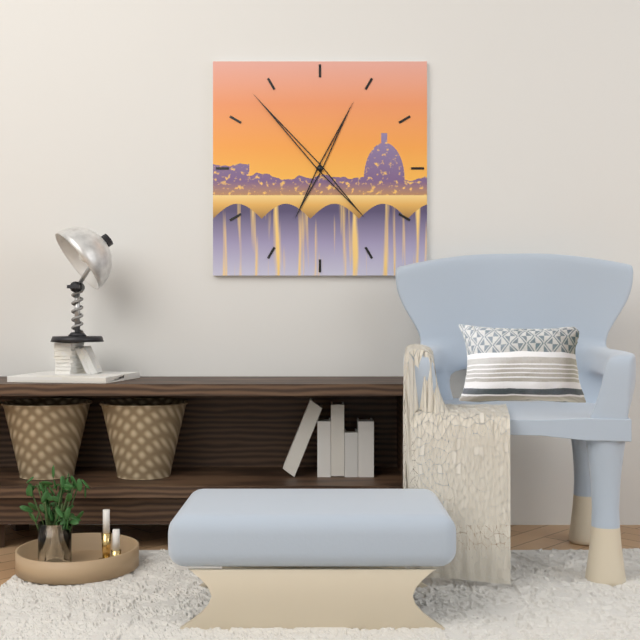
12:53
